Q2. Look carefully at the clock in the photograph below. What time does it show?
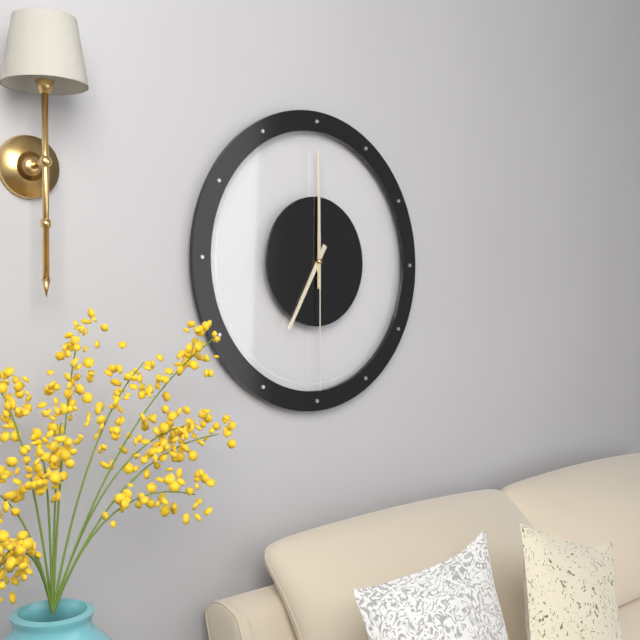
7:00:30
